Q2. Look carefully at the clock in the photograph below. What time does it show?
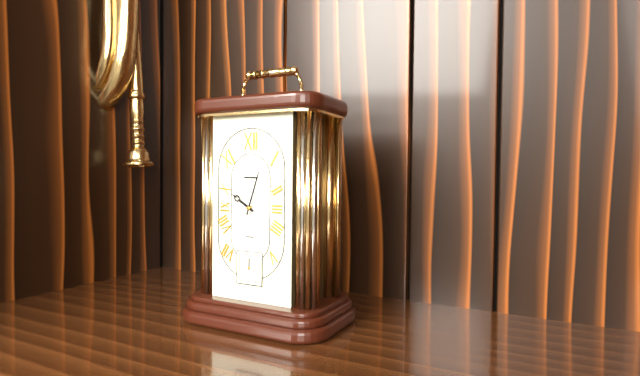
10:03
